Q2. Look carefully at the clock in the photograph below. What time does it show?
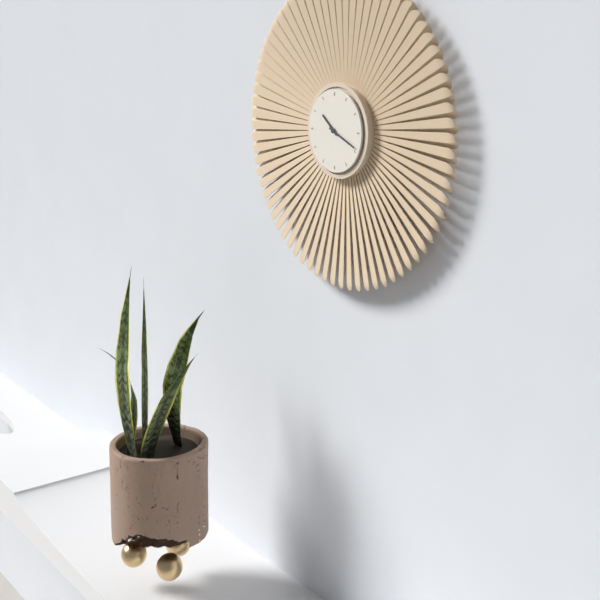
10:19
